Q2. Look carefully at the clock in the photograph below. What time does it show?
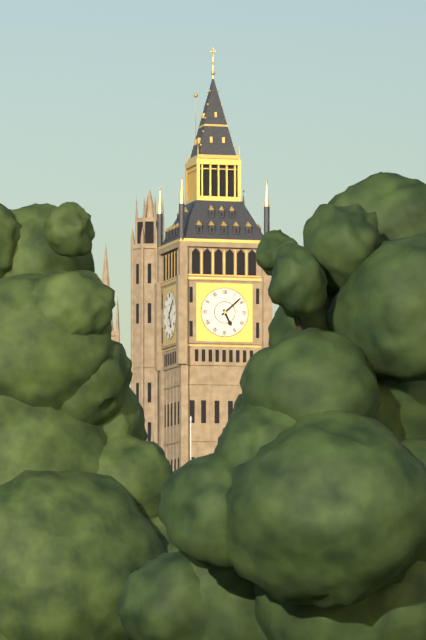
5:08
